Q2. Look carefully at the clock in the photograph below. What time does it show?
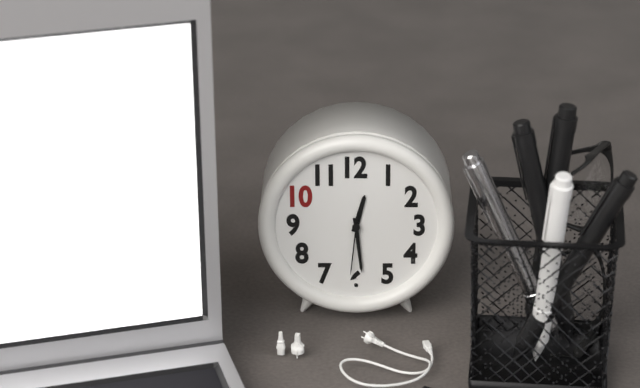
12:29:31
